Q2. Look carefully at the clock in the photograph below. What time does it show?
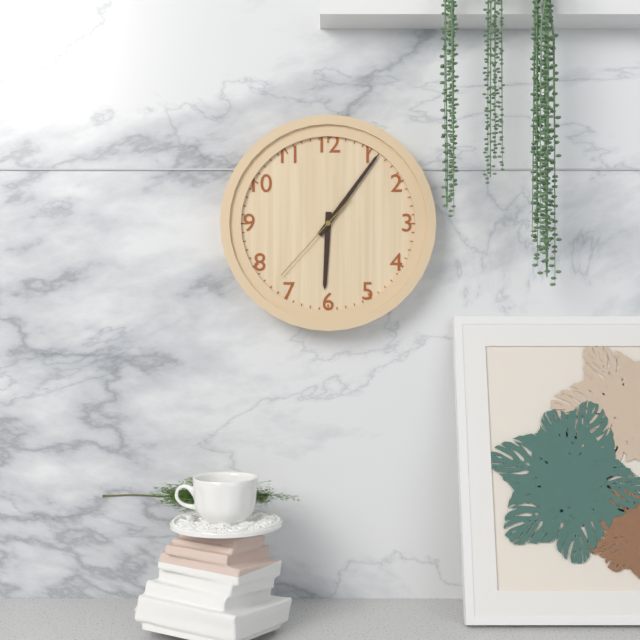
6:06:37
